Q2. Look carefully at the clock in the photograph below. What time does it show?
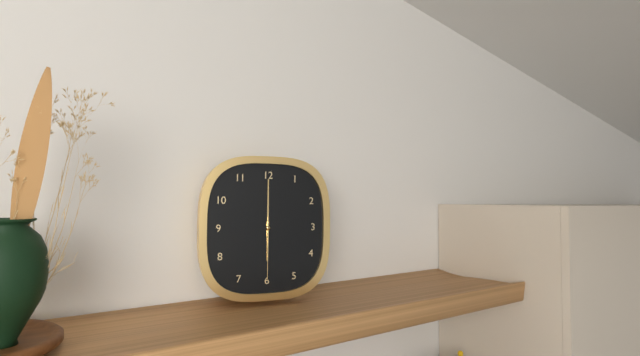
6:00:30
